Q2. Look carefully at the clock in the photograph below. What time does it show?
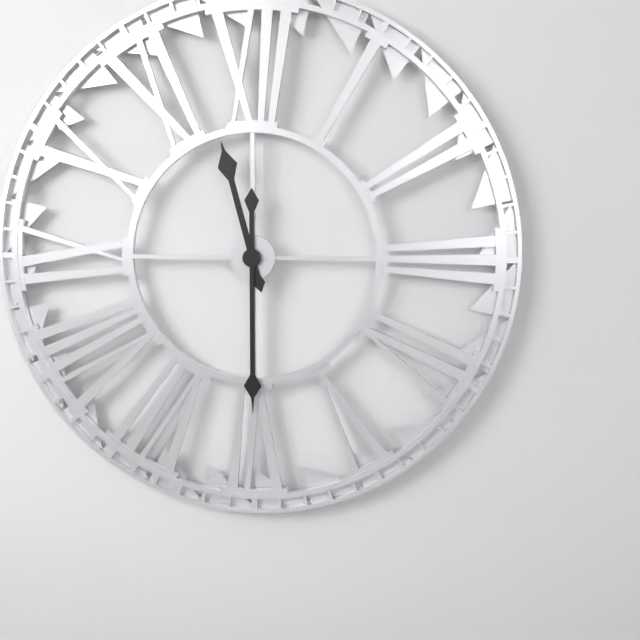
11:30
